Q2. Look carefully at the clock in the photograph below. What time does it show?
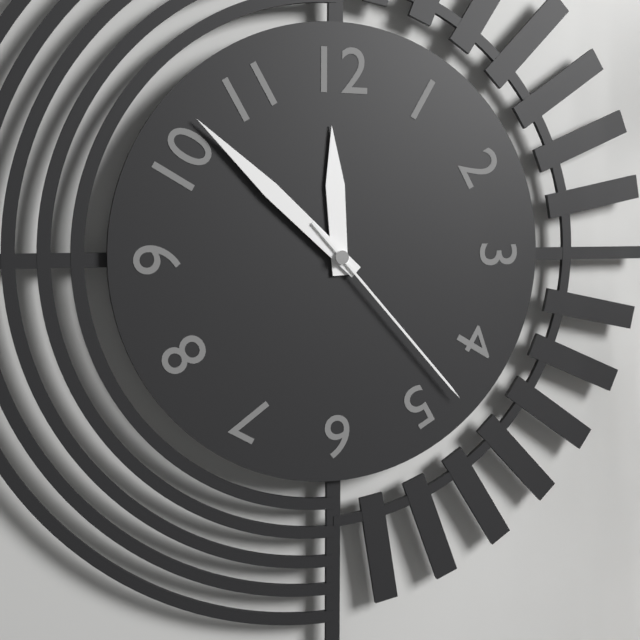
11:52:23
